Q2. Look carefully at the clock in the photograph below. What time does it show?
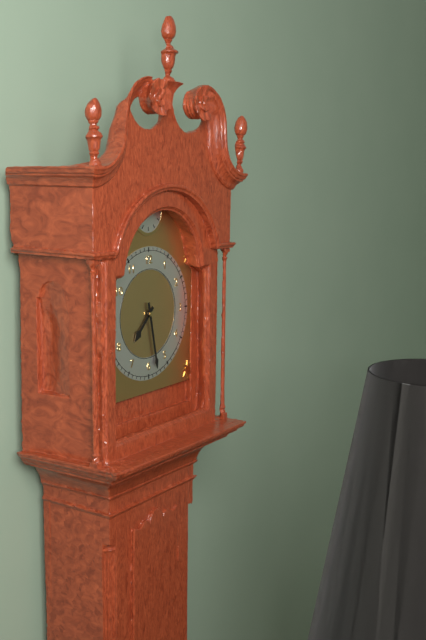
7:28
